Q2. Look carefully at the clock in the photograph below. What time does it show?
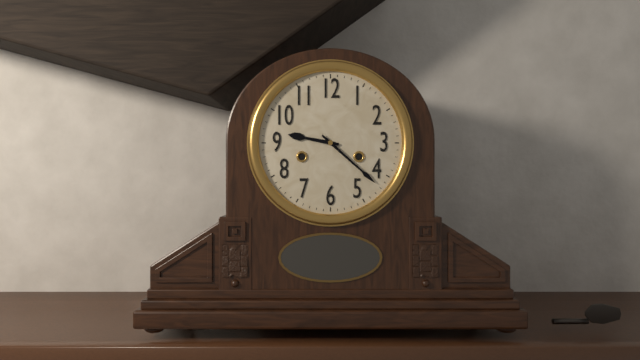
9:22
